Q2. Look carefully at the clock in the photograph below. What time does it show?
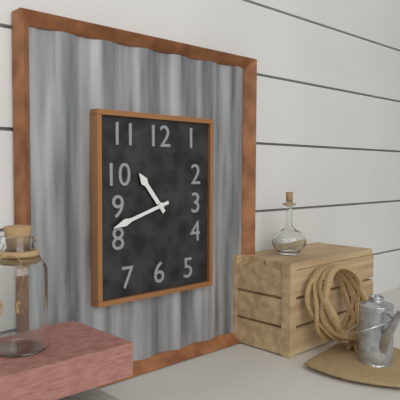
10:42
